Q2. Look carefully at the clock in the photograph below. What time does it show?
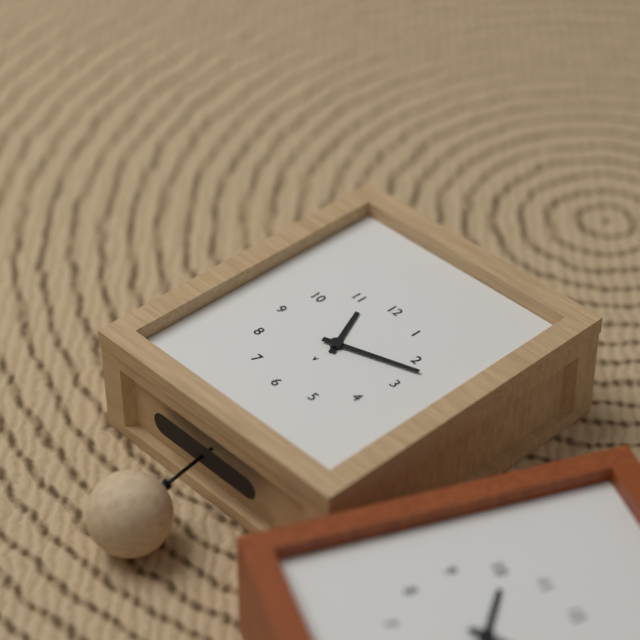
11:12
